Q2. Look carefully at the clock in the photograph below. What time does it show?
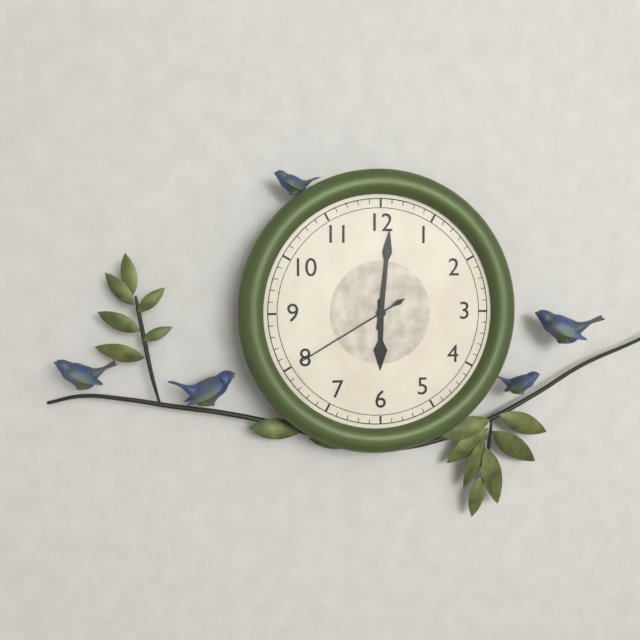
6:01:40
